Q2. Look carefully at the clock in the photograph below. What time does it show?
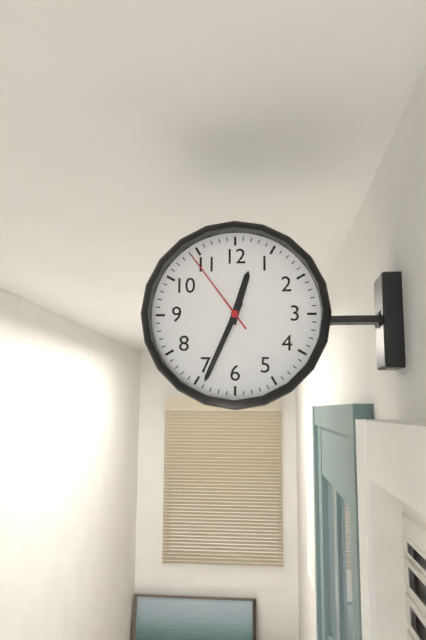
12:34:54
